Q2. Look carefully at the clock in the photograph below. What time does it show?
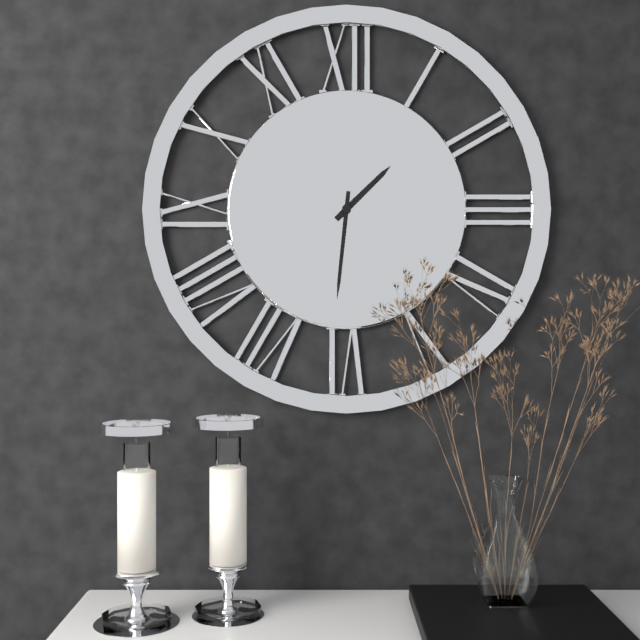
1:31
